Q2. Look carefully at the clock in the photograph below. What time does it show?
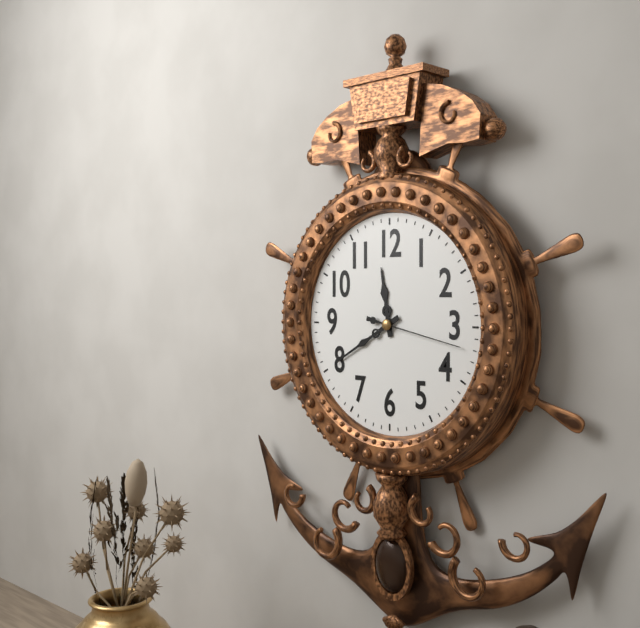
11:40:17
